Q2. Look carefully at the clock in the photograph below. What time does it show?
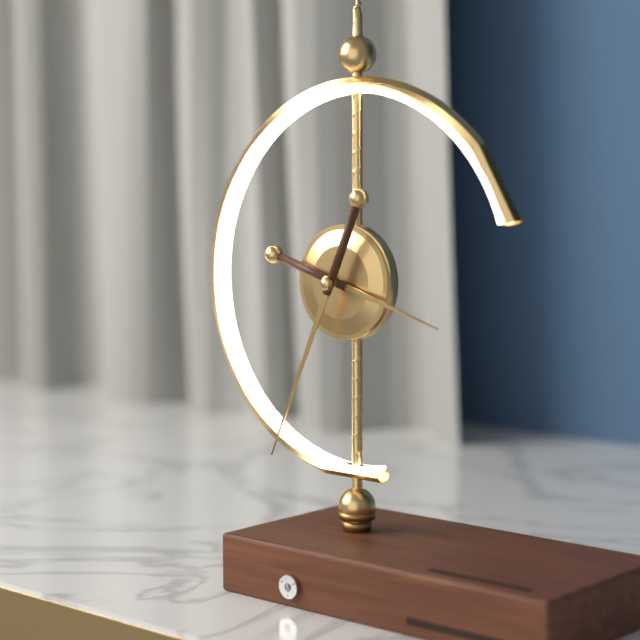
3:34
